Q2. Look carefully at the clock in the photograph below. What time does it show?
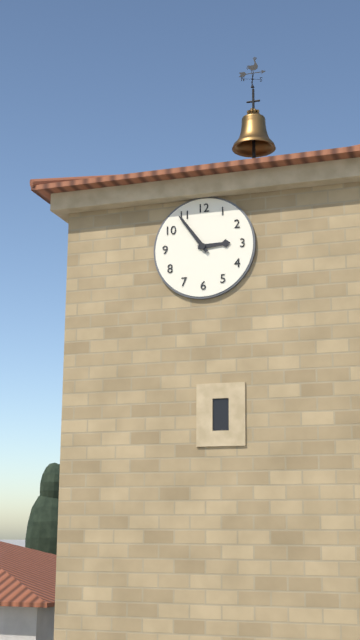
2:54
